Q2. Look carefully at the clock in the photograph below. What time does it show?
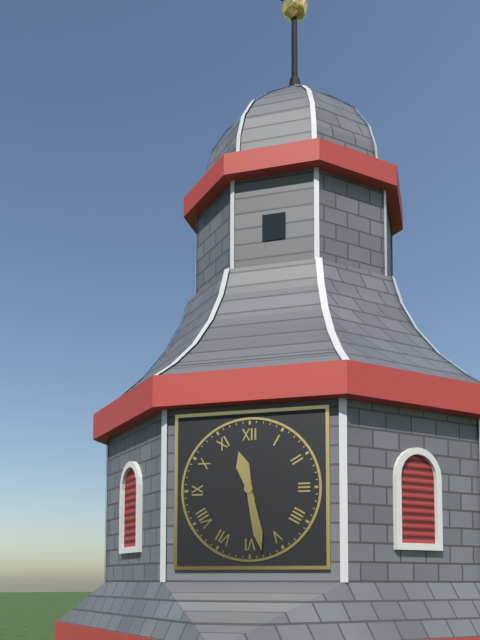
11:28
